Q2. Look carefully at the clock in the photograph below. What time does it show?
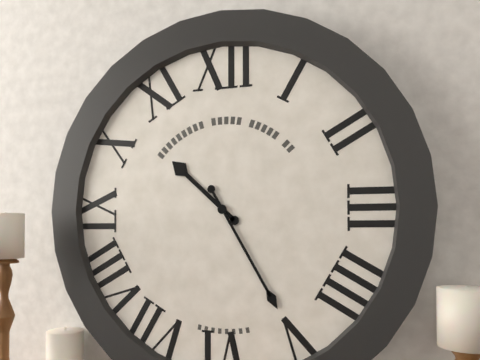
10:25
